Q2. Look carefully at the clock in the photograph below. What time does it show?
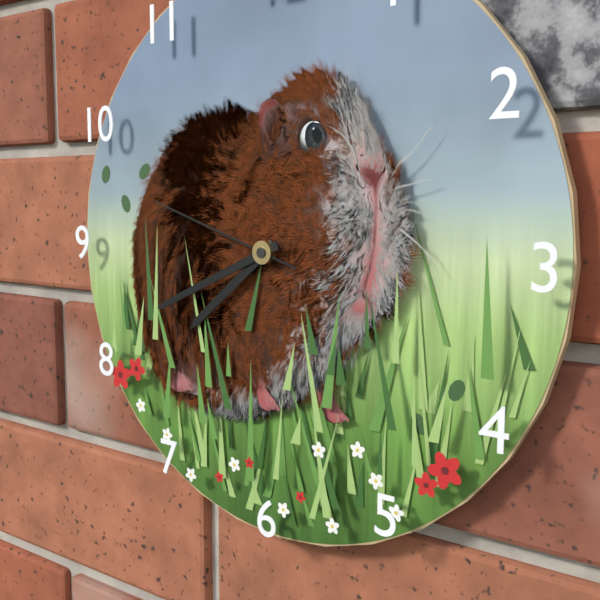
7:41:48
